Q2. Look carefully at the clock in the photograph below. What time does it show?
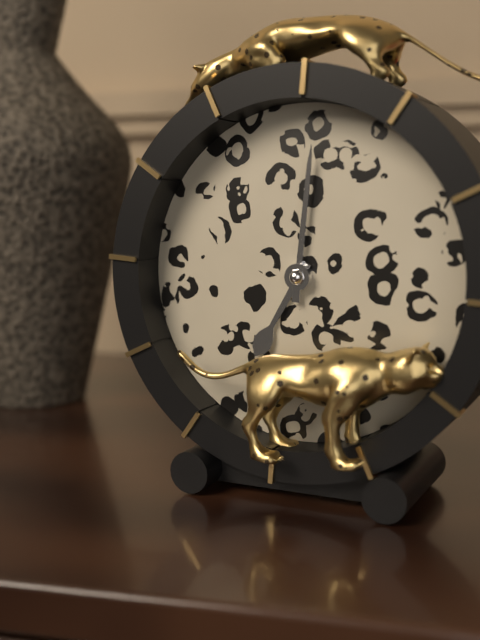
7:01
